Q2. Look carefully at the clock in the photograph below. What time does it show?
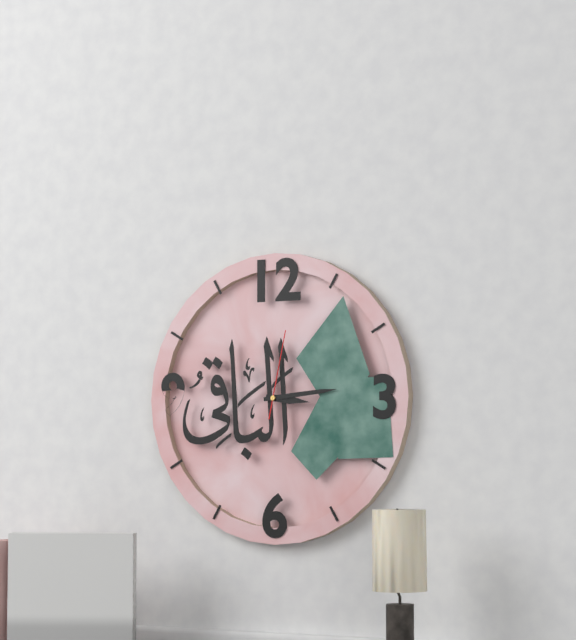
3:14:02
